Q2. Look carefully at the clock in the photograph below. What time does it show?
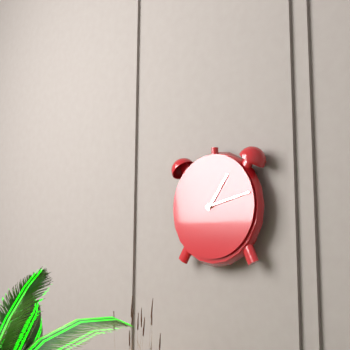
1:13
